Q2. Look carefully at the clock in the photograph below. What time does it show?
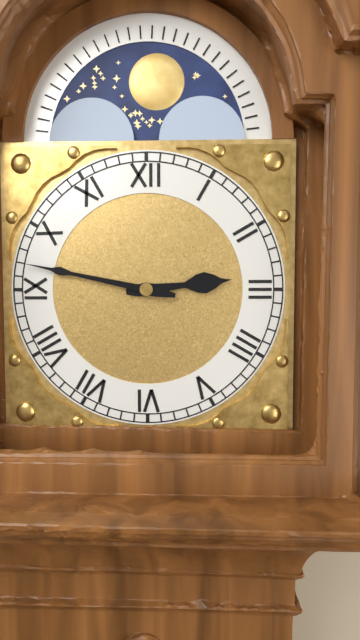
2:47
